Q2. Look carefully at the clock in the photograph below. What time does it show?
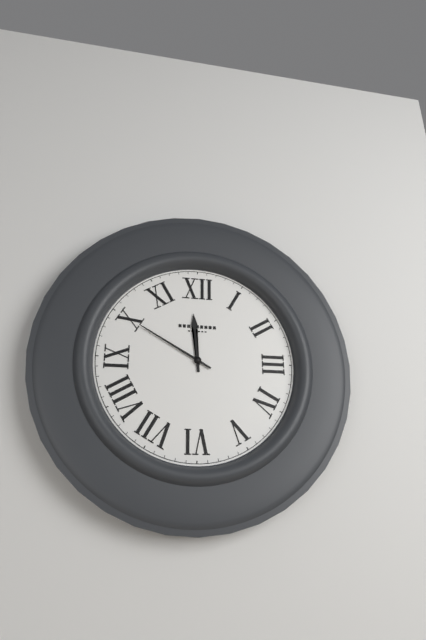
11:50
